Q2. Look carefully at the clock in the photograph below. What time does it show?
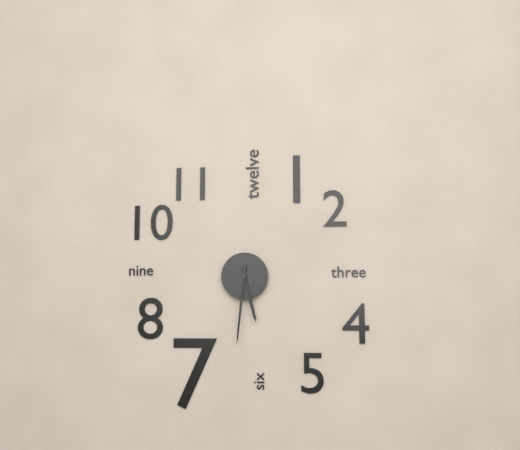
5:31
